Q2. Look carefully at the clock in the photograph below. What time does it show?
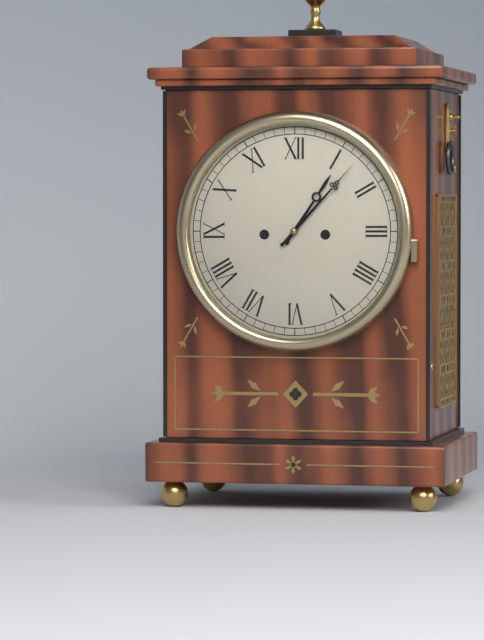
1:07
